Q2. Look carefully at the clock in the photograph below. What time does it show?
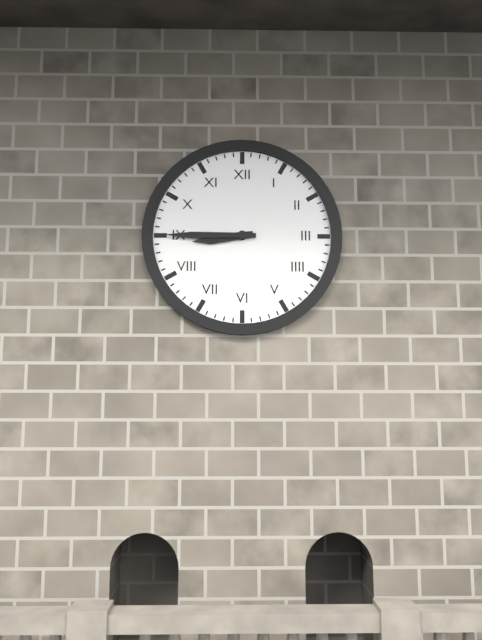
8:45
